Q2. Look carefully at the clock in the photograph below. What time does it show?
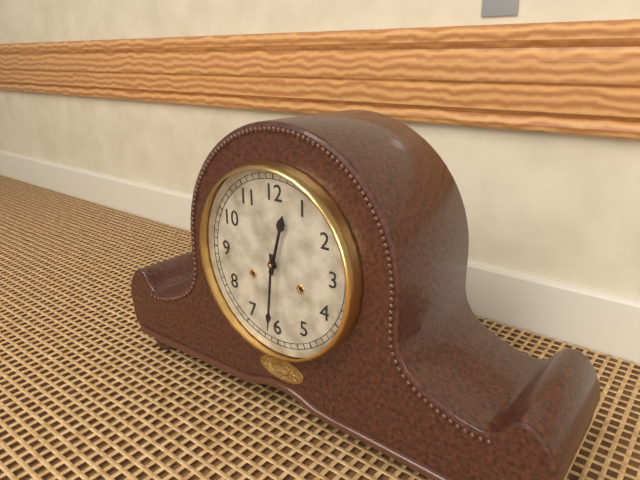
12:31
